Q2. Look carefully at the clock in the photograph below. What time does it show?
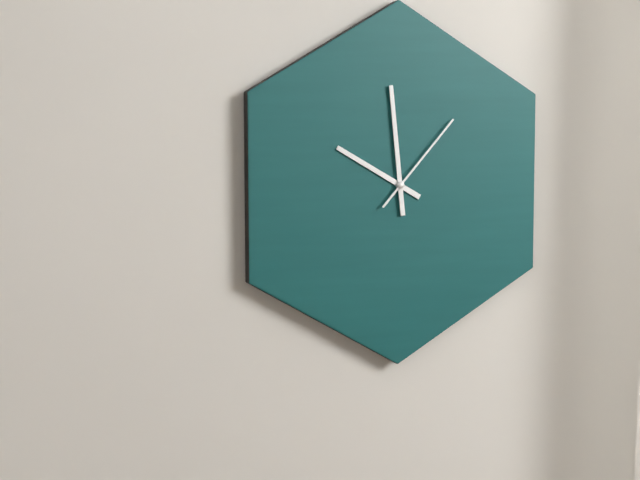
9:59:07
